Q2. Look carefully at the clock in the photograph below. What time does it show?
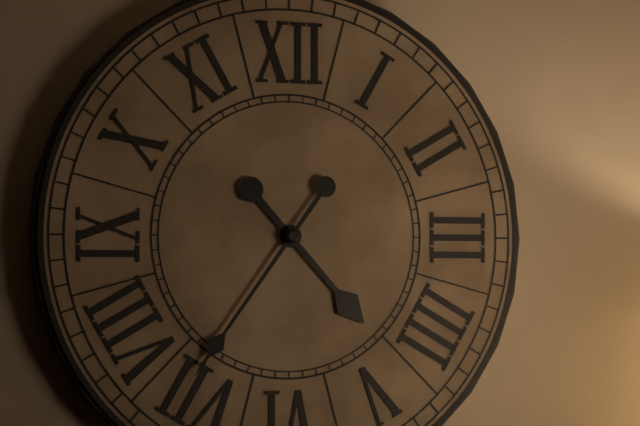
4:36
